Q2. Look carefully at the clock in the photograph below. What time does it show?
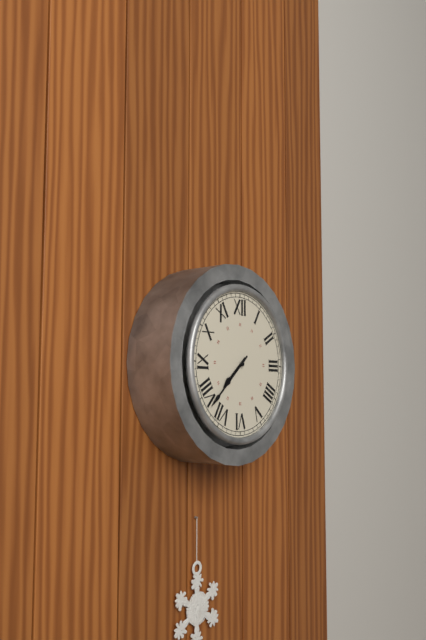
7:38
